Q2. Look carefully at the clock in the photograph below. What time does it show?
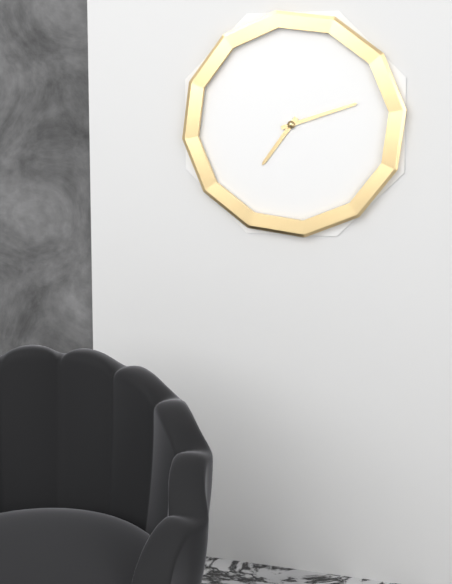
7:12
